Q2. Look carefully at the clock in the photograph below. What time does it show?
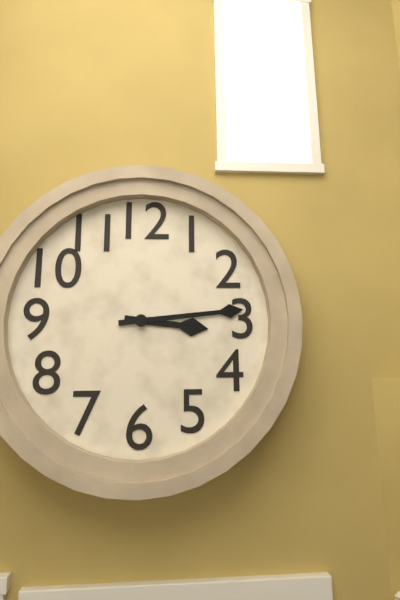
3:14
